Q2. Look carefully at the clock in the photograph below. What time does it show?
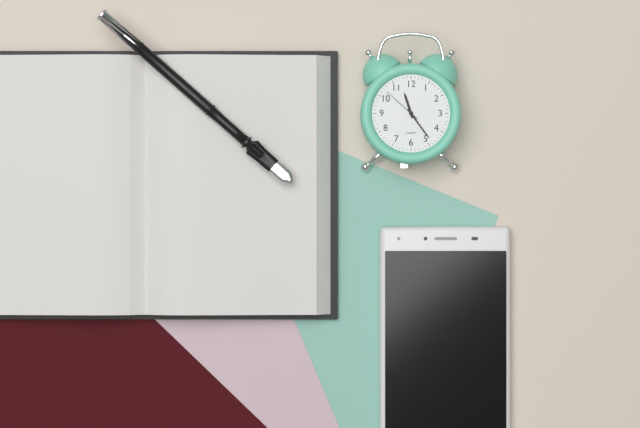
11:24
